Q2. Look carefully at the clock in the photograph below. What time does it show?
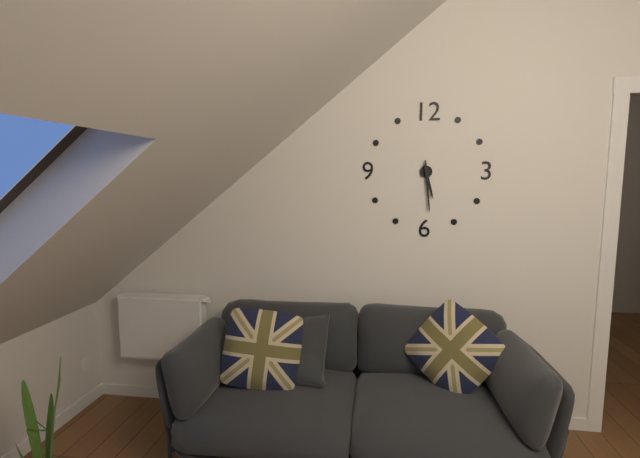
5:29
